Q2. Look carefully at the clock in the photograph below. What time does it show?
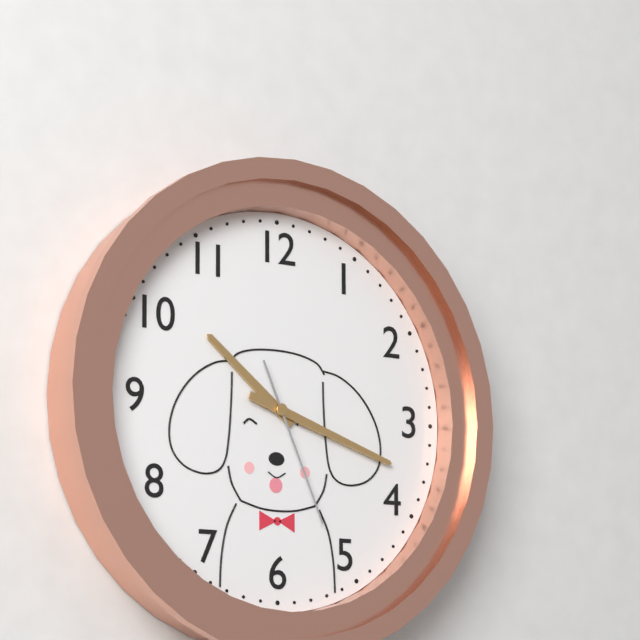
10:18:26
